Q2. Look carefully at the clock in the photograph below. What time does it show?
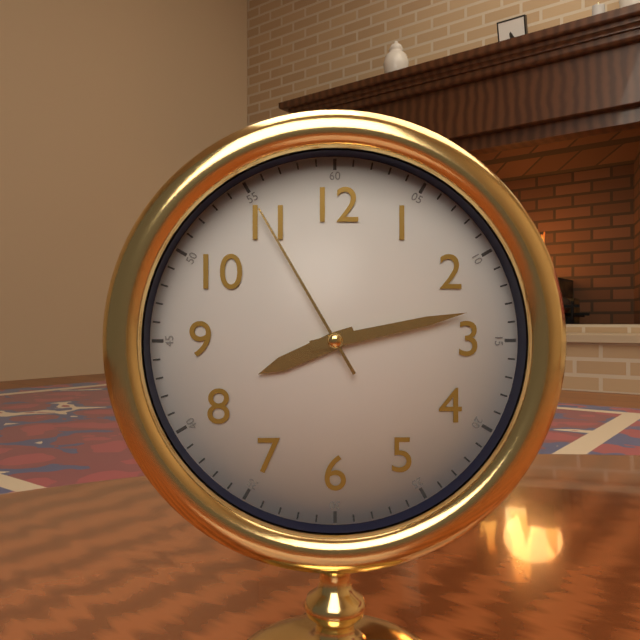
8:13:55
